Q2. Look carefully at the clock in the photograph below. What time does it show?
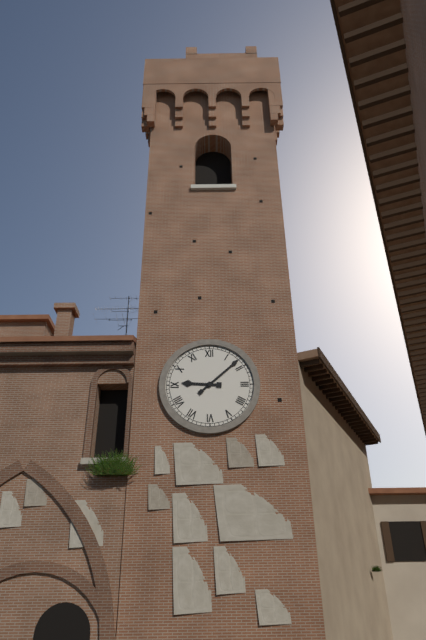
9:08
